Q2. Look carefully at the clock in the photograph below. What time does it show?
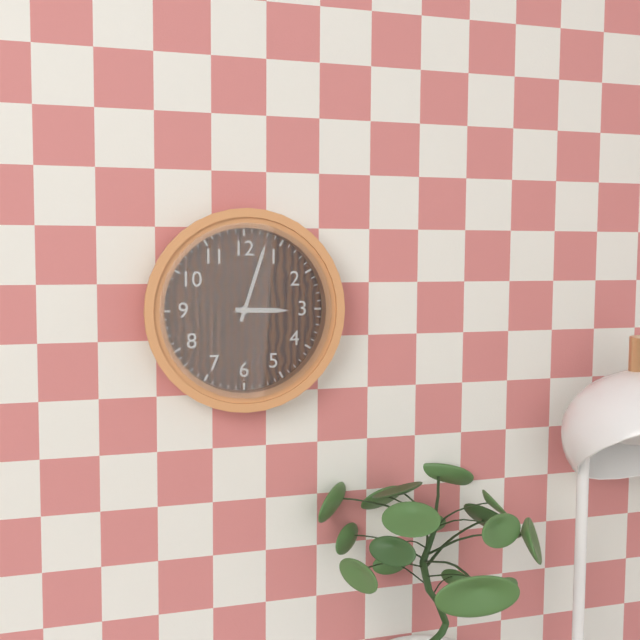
3:03
